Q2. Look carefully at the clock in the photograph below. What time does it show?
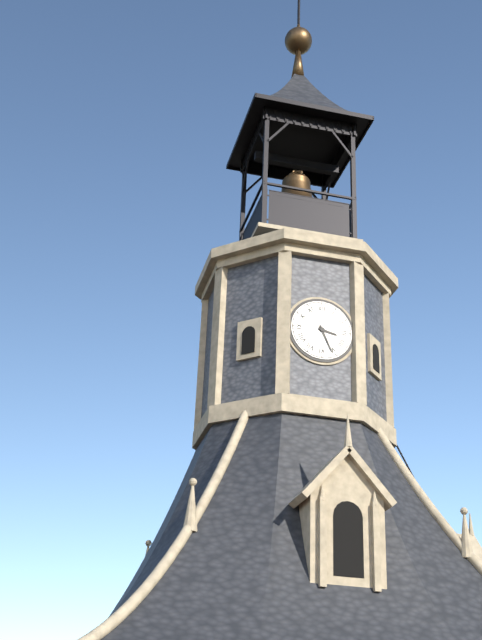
3:26
